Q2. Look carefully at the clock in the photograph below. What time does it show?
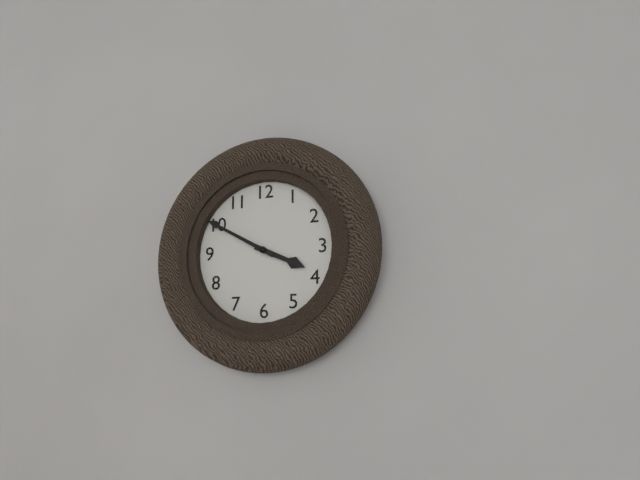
3:50
